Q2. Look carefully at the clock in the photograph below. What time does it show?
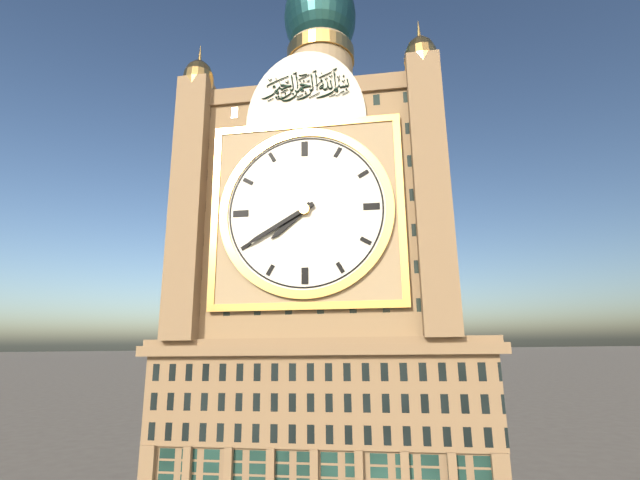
7:40
